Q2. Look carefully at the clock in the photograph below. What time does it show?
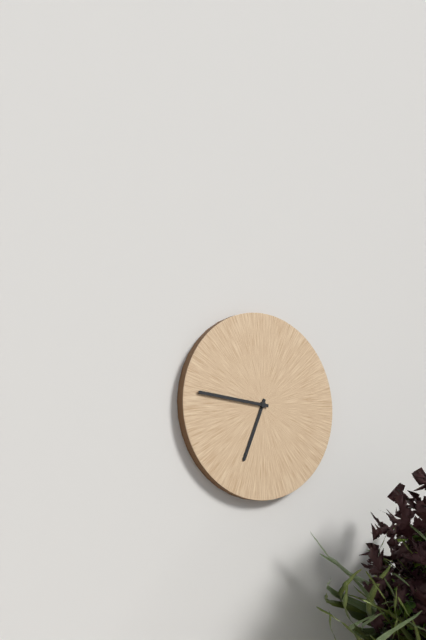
6:46
